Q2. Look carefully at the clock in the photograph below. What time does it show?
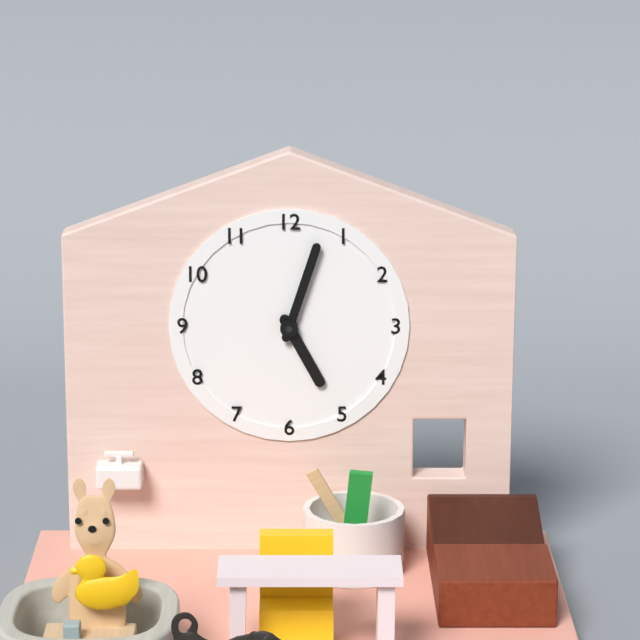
5:03
